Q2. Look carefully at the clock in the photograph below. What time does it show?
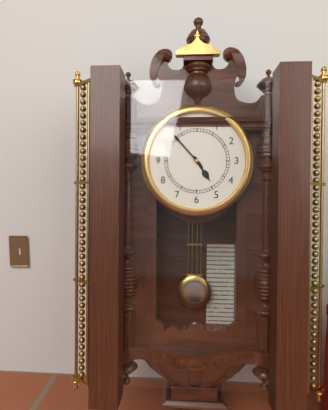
4:53
